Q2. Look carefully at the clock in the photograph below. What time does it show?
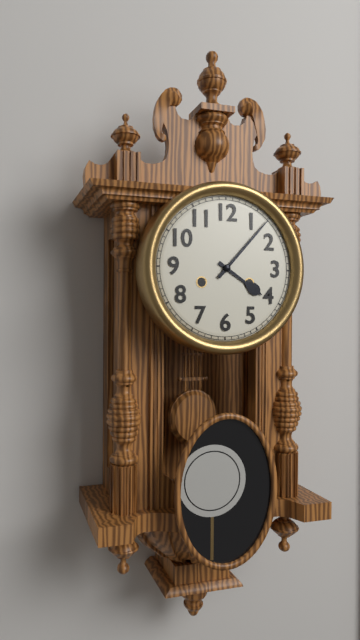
4:07
